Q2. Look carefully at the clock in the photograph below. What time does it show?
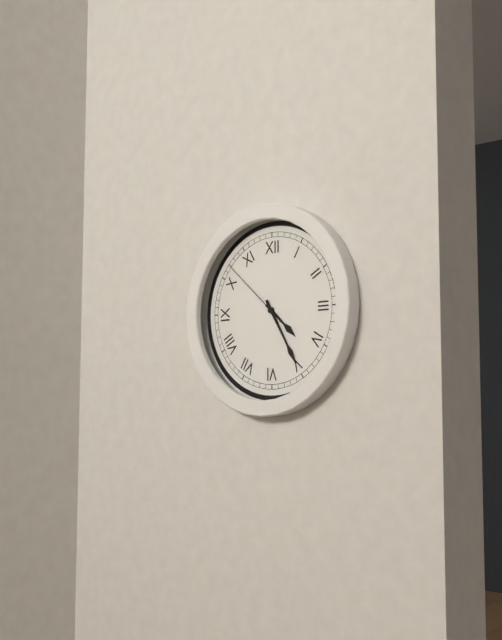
4:25:52
